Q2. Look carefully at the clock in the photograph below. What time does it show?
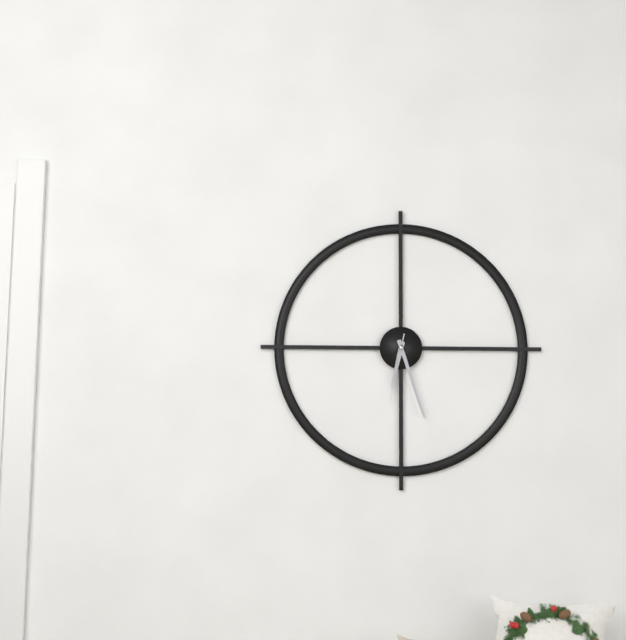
6:27:32
